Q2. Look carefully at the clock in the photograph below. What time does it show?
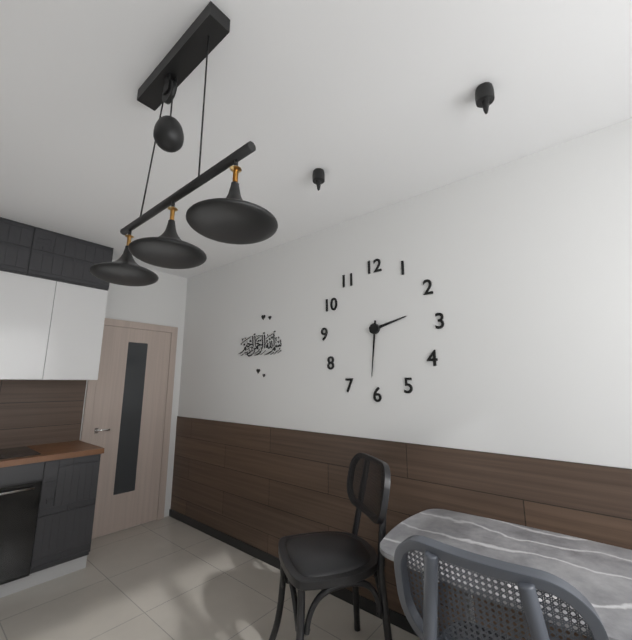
2:31
